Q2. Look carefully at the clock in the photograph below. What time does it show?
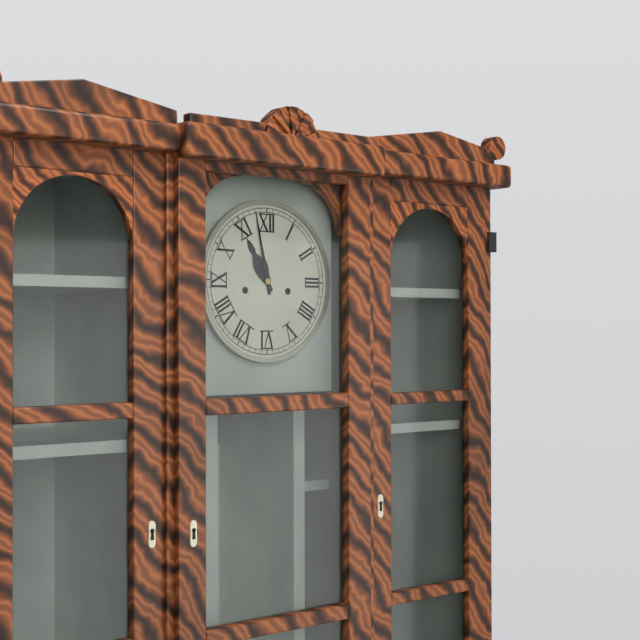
10:58
